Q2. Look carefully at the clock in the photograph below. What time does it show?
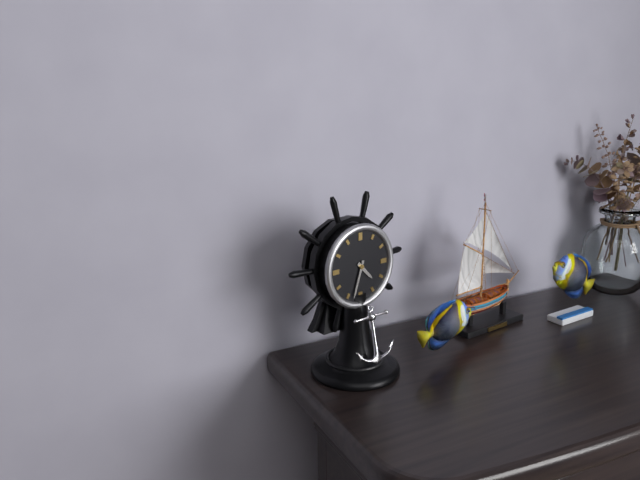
4:33
